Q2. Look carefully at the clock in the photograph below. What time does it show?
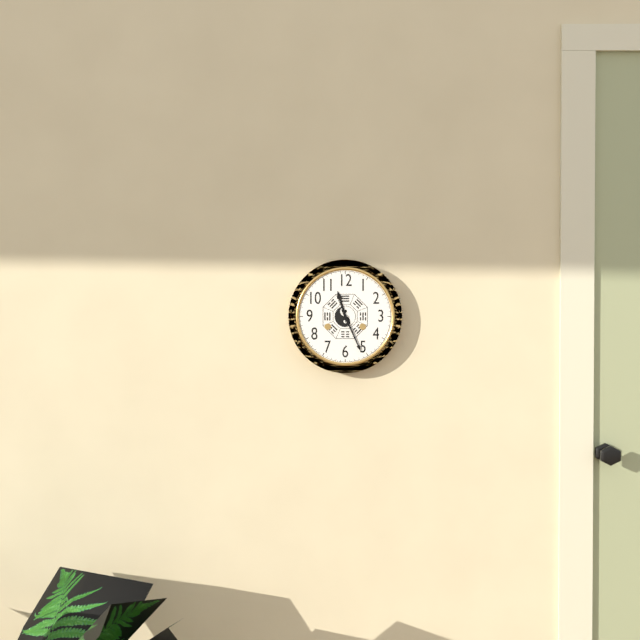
11:26
